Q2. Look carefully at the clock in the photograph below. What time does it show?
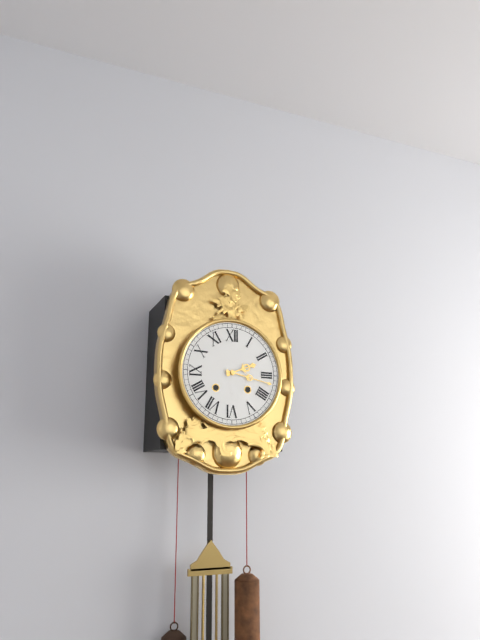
2:17
